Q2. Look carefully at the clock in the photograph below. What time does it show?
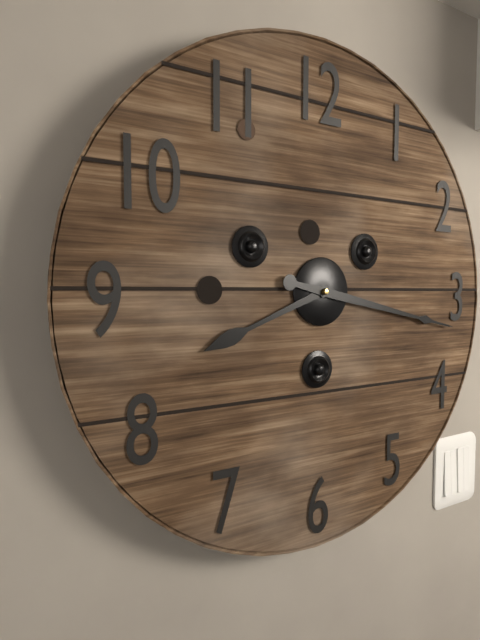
8:17
